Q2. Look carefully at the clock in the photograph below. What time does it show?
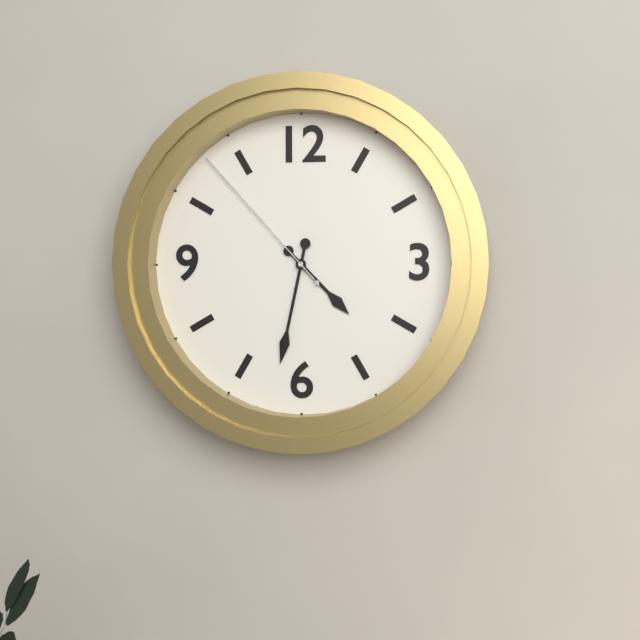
4:32:53
